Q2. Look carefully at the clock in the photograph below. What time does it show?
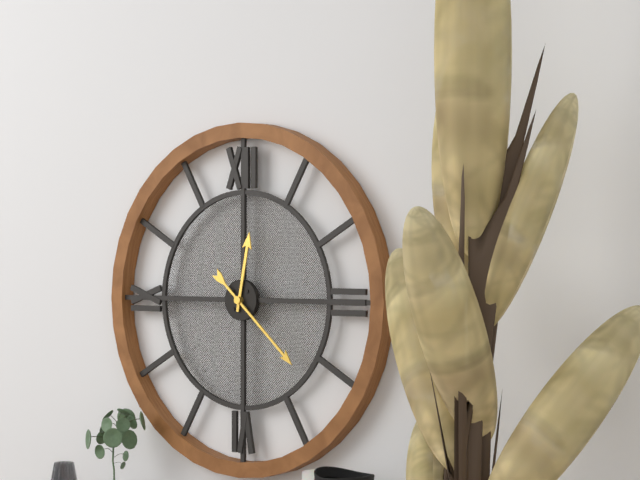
12:22
